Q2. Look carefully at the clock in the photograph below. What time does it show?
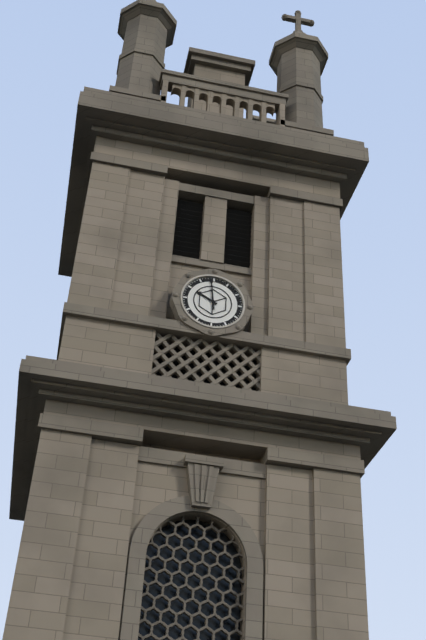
9:59
